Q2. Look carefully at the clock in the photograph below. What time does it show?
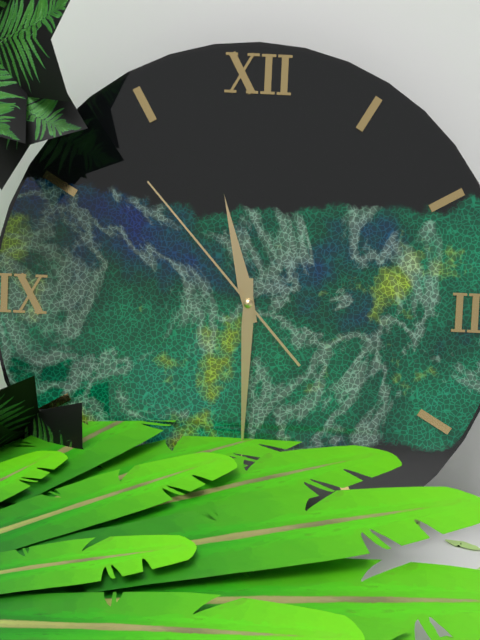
11:30:53
